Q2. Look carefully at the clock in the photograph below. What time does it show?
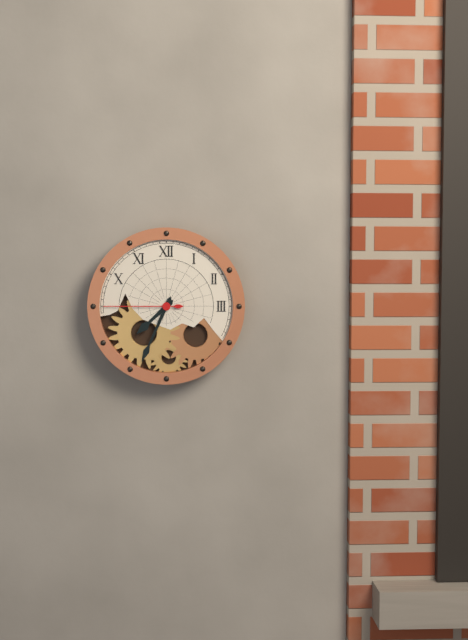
7:34:45
